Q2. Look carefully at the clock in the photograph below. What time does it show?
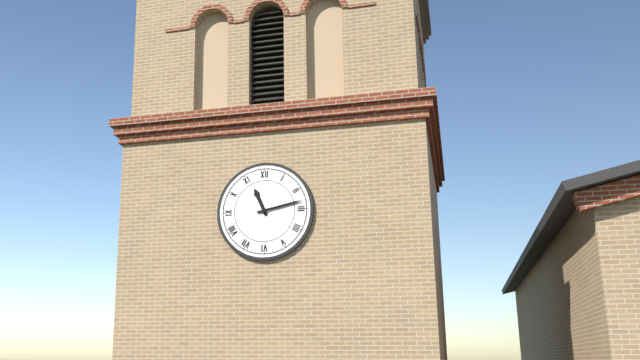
11:13
